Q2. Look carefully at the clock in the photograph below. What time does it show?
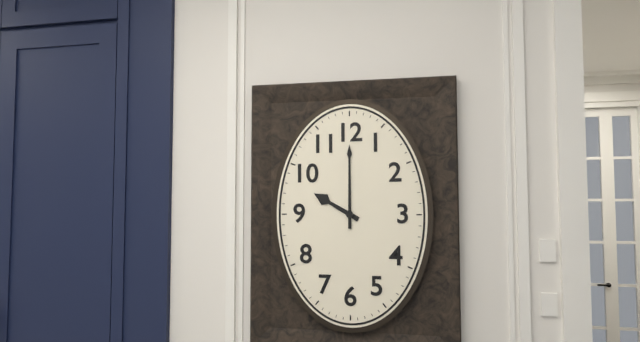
10:00
